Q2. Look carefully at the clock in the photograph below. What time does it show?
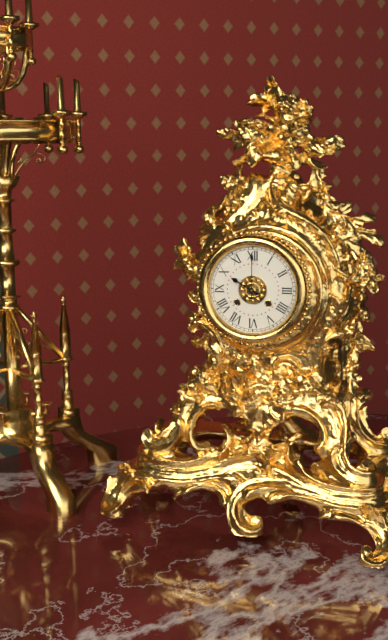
10:00
